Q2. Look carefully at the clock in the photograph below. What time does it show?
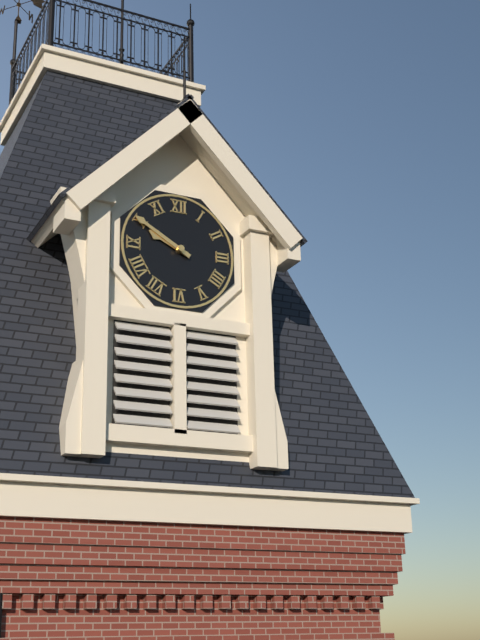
9:50
